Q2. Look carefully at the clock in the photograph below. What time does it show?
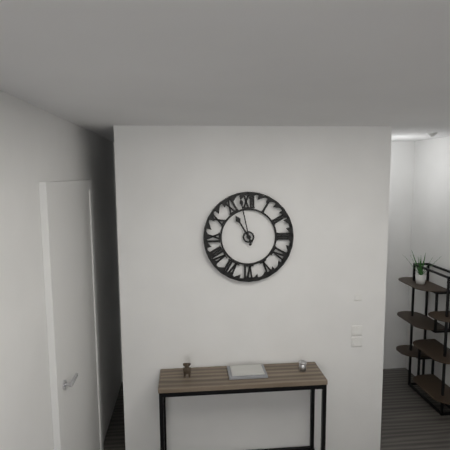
10:58
